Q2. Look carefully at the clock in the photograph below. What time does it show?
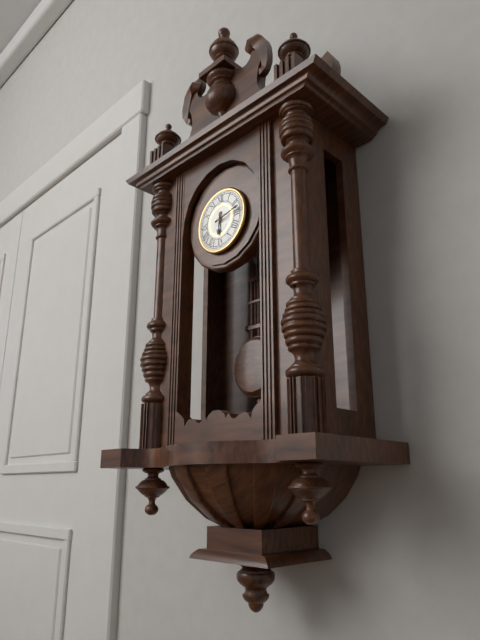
6:13
